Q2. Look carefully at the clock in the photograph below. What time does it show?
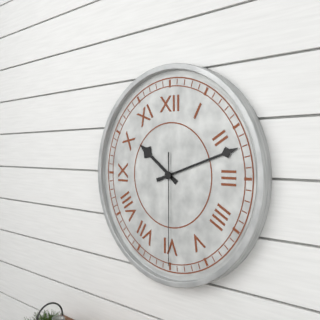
10:12:30
